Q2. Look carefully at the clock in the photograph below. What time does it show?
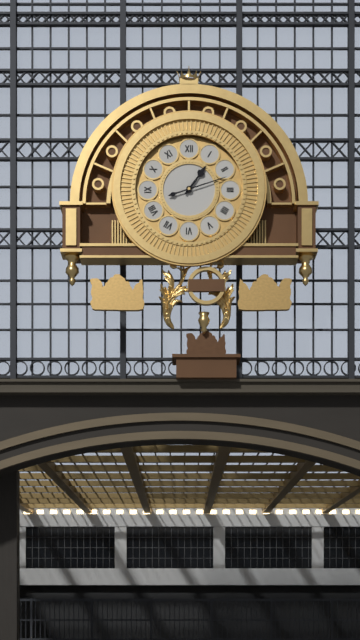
1:12
